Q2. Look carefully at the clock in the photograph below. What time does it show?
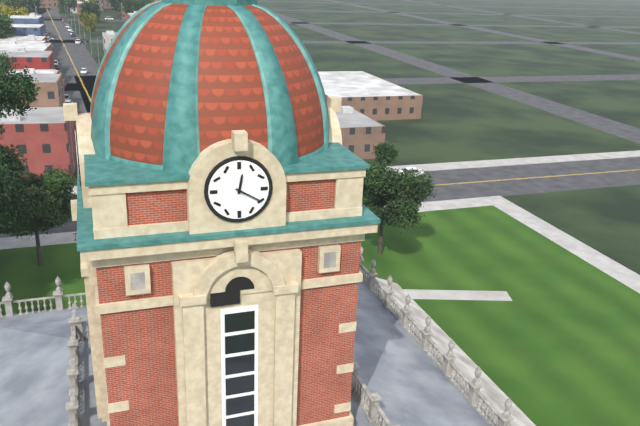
12:20
